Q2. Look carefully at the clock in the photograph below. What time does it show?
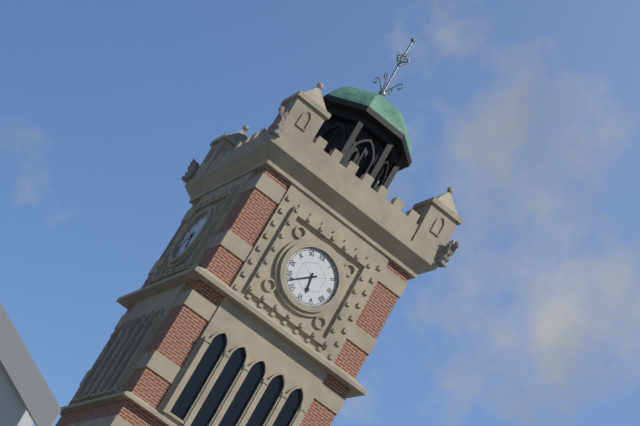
5:38
